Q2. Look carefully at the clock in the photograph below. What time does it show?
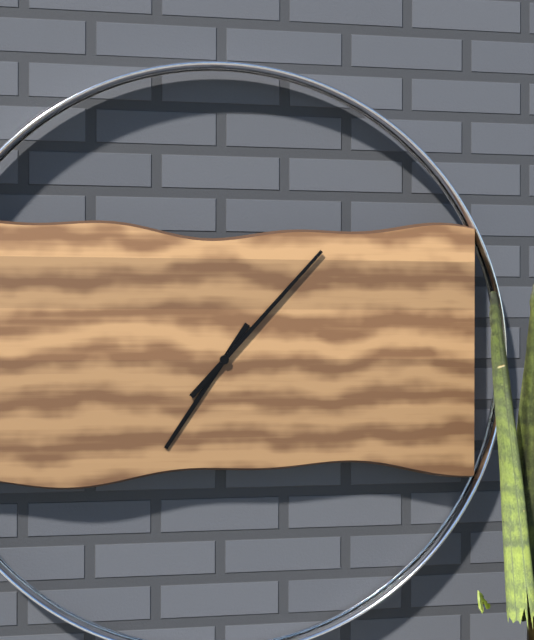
7:07
